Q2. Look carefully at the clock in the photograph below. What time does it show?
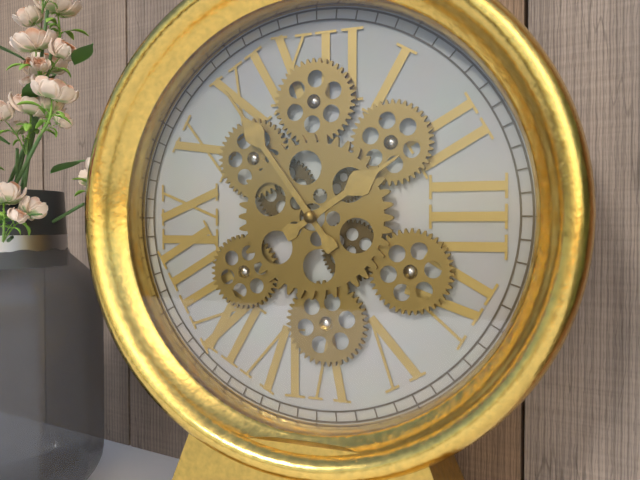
1:54
